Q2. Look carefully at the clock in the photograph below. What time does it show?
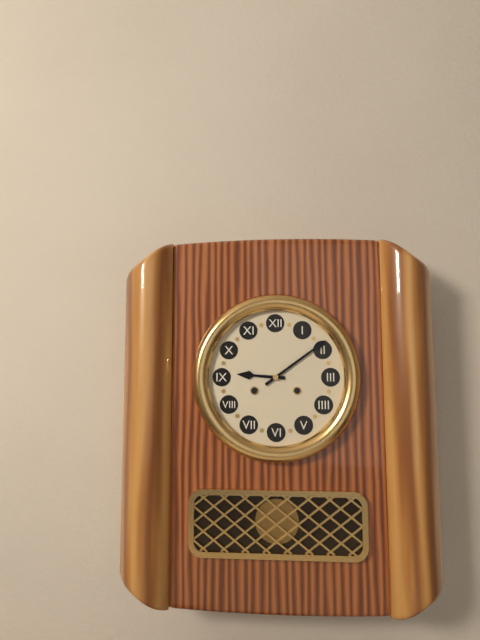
9:09
